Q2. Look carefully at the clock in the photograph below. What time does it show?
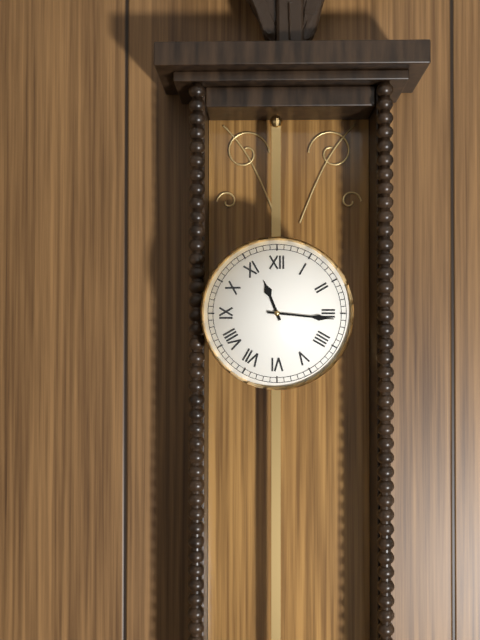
11:16
